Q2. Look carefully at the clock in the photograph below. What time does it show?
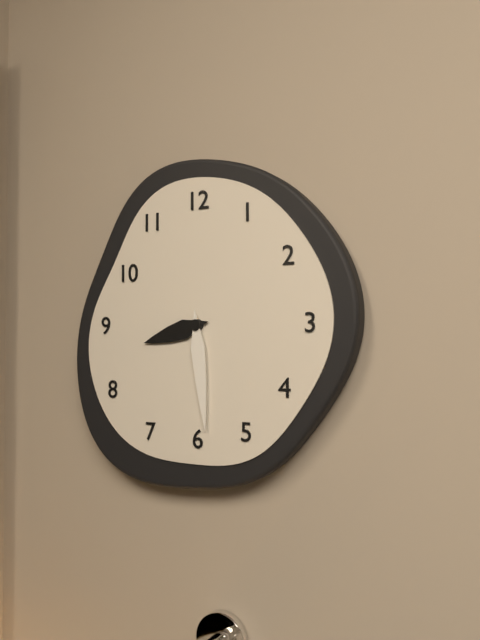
8:29
